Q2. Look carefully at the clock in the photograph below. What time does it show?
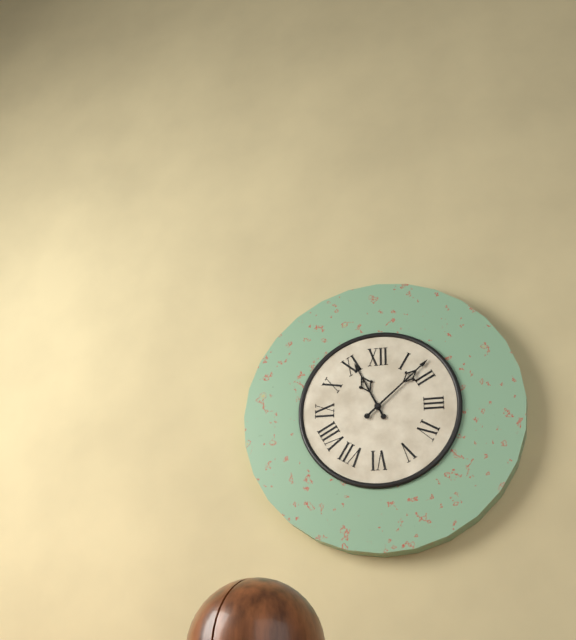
11:08
